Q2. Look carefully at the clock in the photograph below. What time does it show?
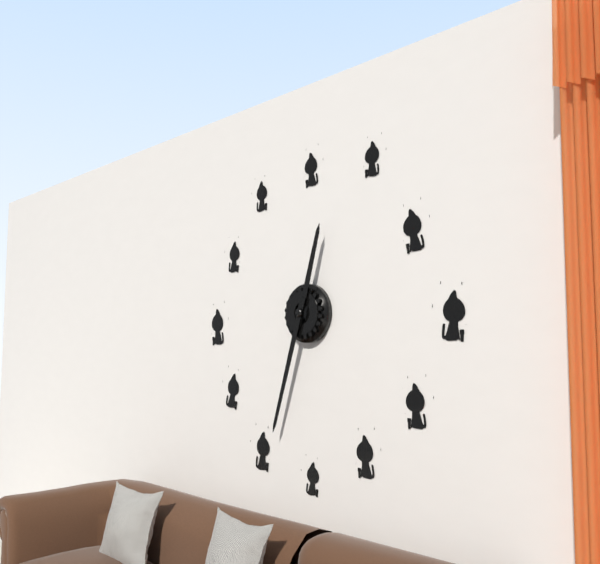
12:33
